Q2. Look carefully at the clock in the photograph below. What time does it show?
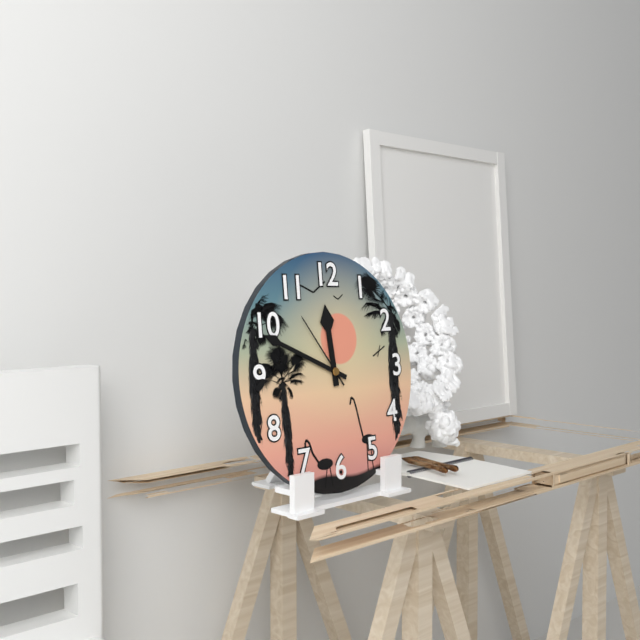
11:49:54
